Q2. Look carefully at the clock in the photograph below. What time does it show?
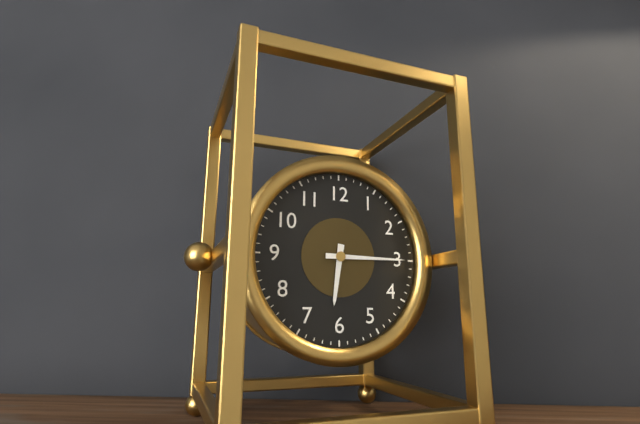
6:15
